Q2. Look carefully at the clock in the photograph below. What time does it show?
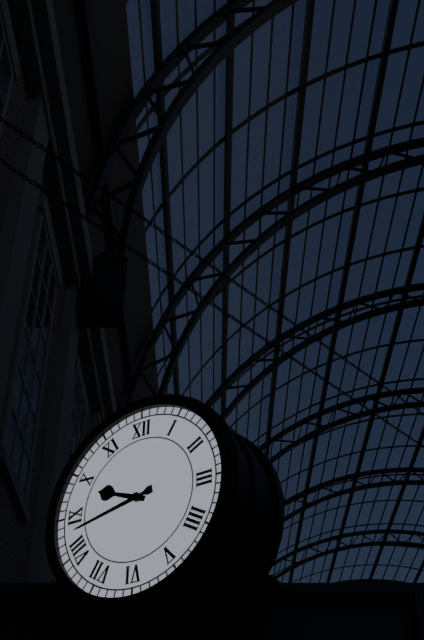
9:43
